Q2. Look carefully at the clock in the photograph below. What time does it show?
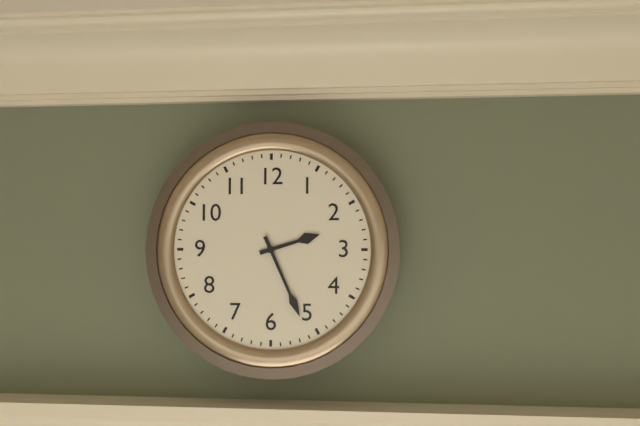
2:26
